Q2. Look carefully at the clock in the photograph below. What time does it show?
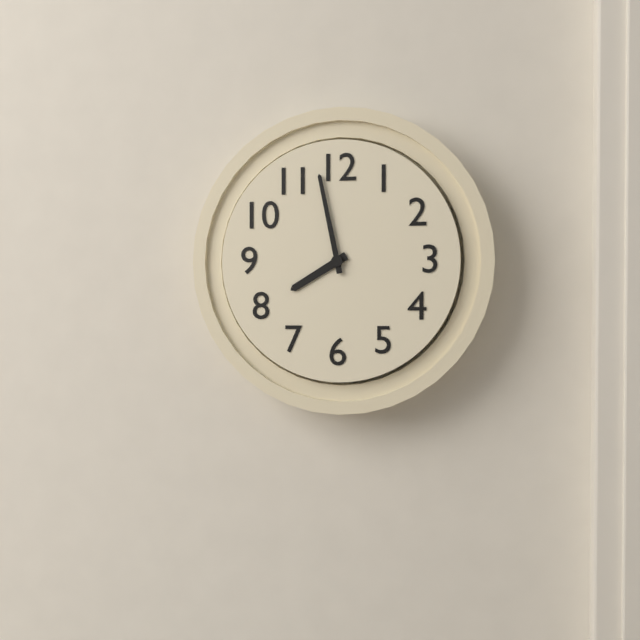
7:58
